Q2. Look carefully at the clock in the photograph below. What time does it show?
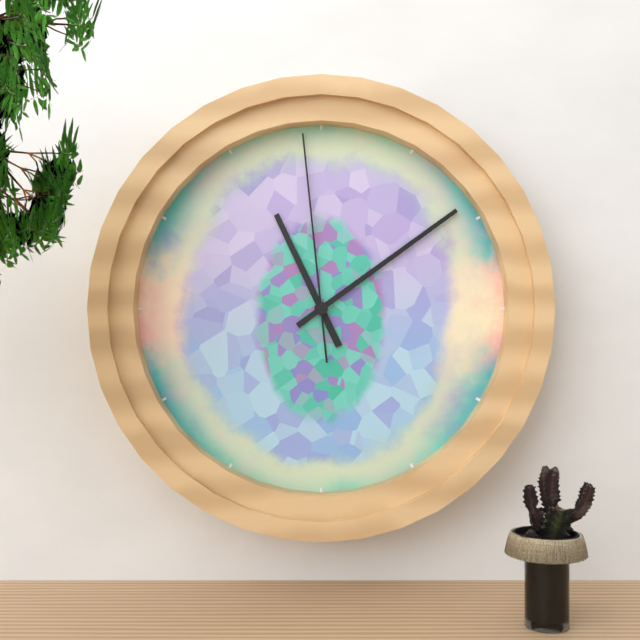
11:09:59
